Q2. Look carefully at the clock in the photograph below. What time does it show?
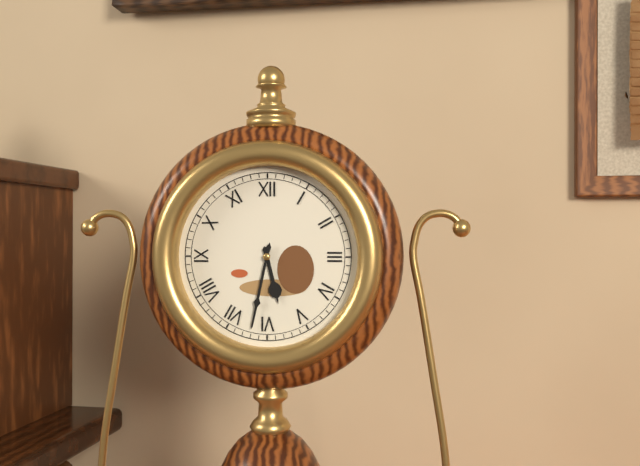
5:32
